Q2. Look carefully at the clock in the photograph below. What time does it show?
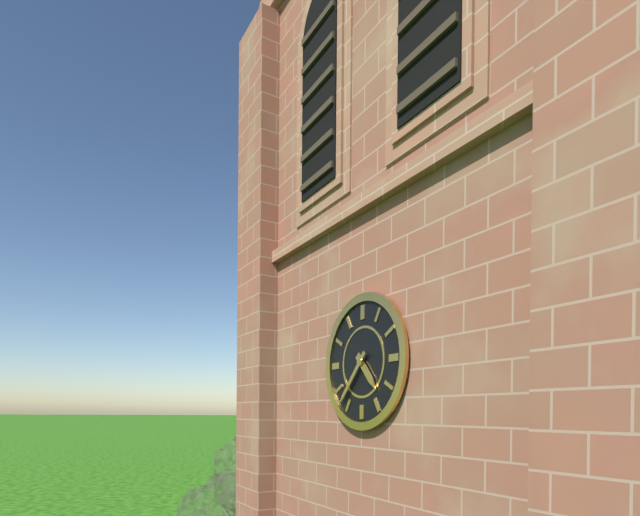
4:37
